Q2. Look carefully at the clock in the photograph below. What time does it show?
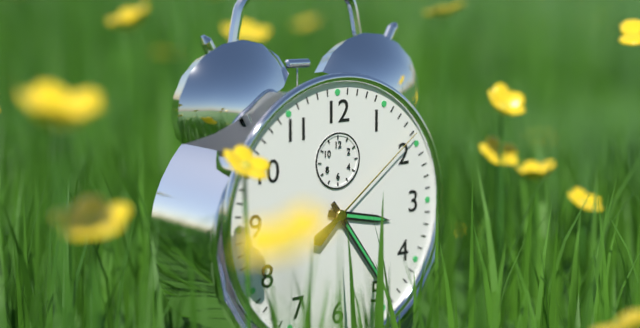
3:24:09
